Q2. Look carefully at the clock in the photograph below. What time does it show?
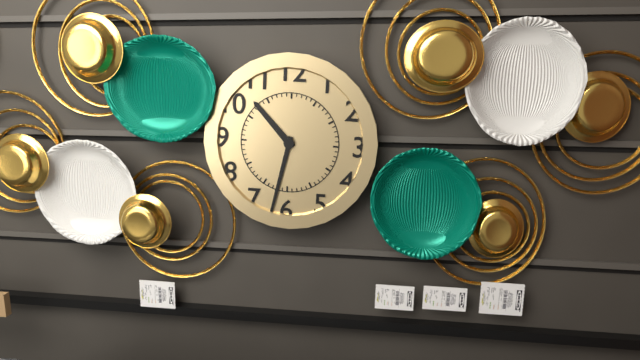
10:32
